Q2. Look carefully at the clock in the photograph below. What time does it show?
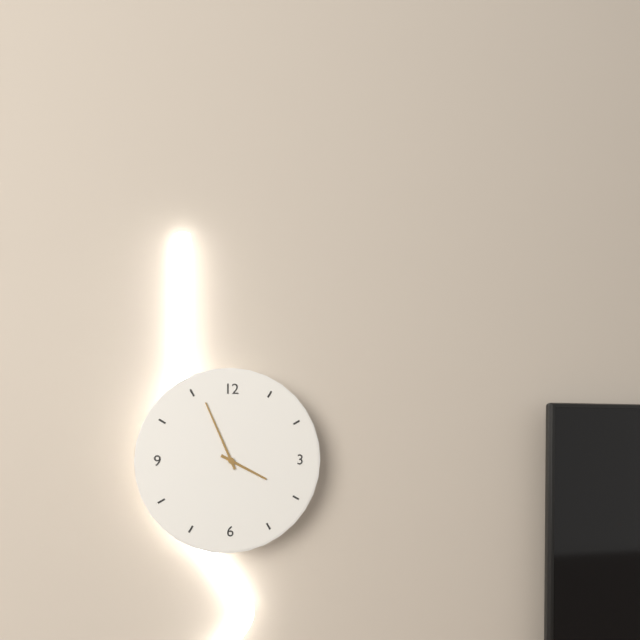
3:56
